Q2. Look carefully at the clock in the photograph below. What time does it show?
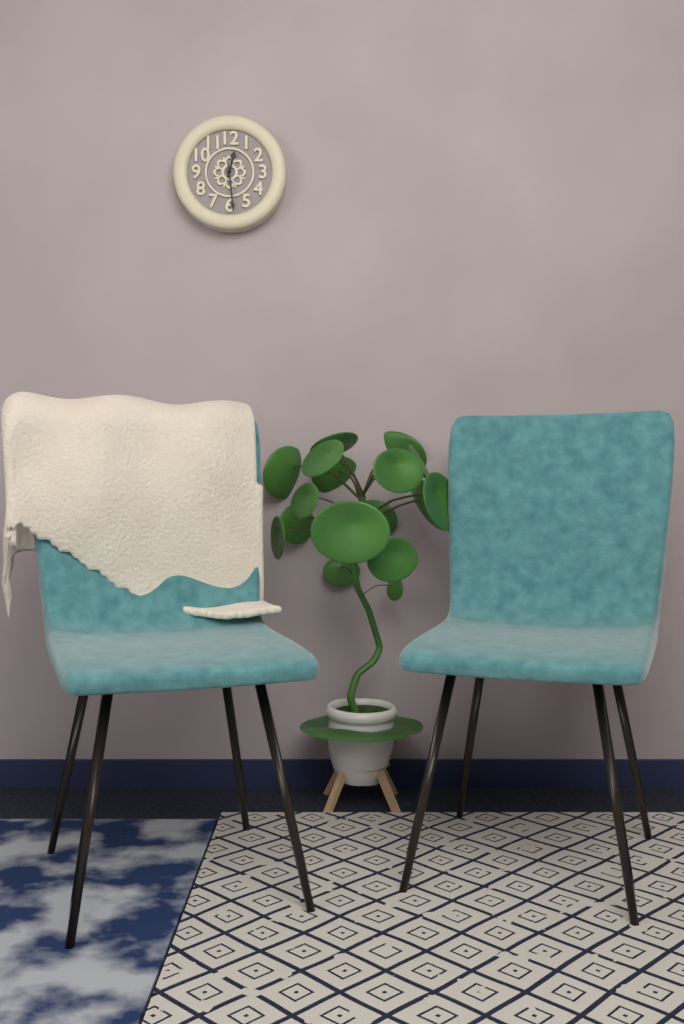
12:29
